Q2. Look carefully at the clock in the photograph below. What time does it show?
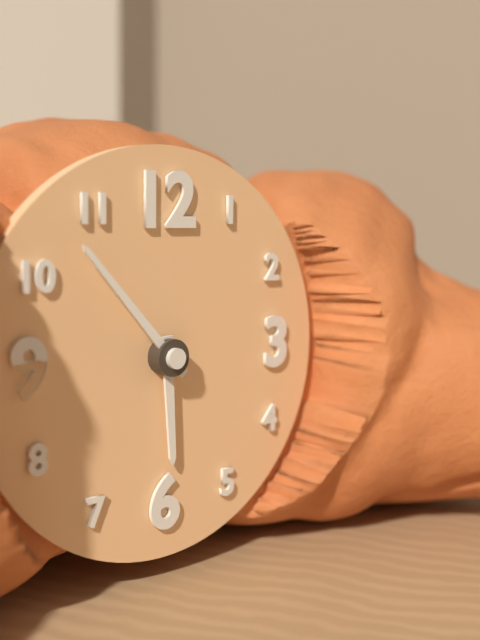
5:53
